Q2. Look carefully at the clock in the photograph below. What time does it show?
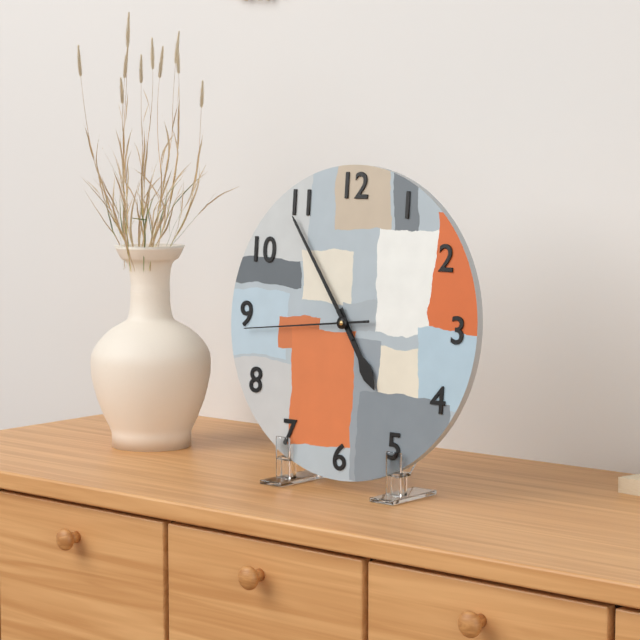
4:54:44
